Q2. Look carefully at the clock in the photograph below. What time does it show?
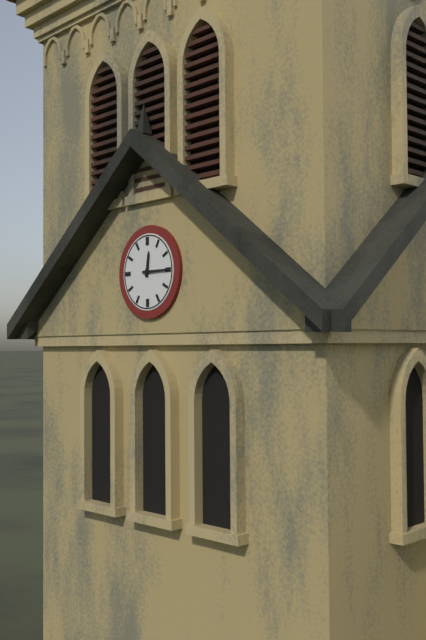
12:15
